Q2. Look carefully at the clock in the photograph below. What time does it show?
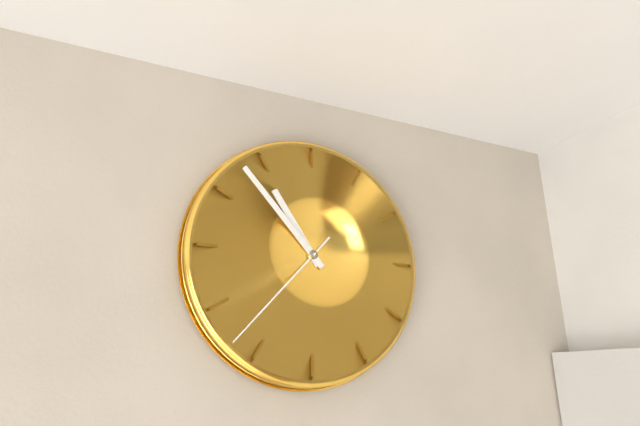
10:53:37
